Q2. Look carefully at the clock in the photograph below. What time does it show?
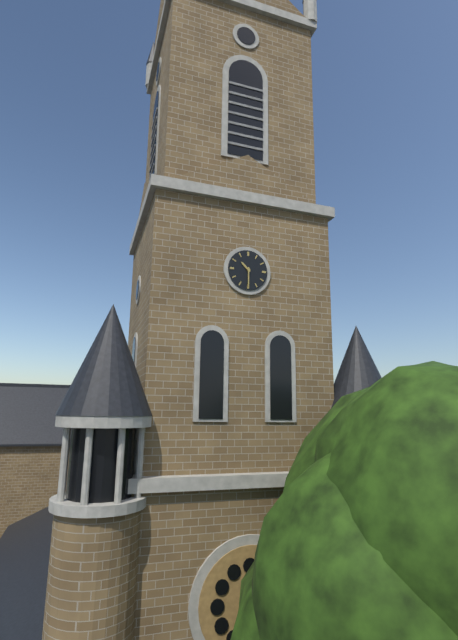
10:30
